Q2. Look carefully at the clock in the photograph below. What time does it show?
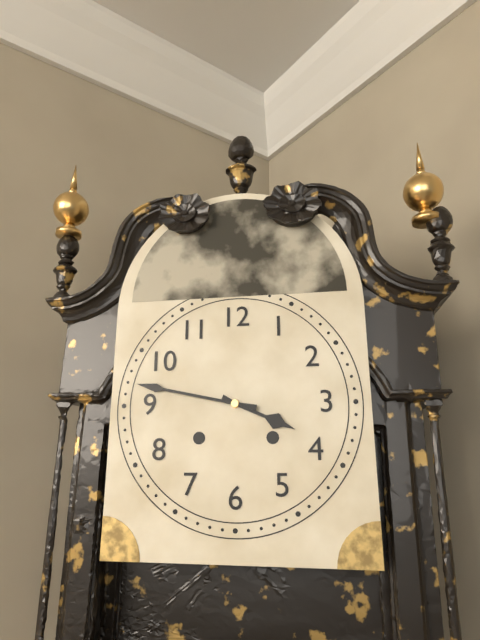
3:47
